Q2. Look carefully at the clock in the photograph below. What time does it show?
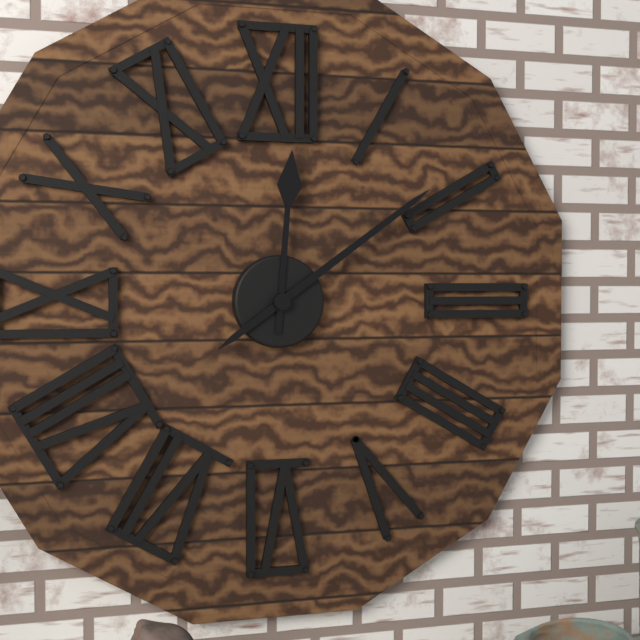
12:09
